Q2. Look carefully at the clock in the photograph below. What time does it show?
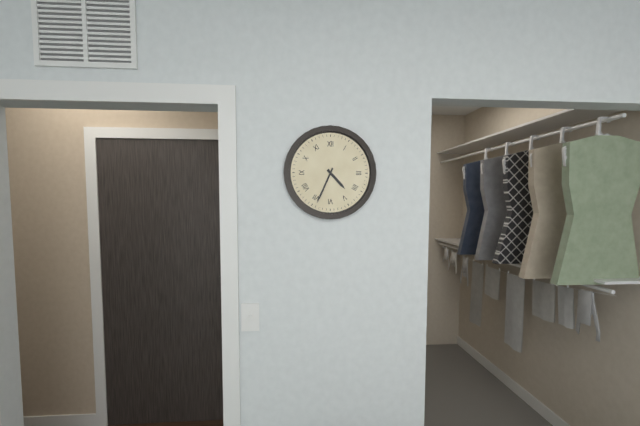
4:34
